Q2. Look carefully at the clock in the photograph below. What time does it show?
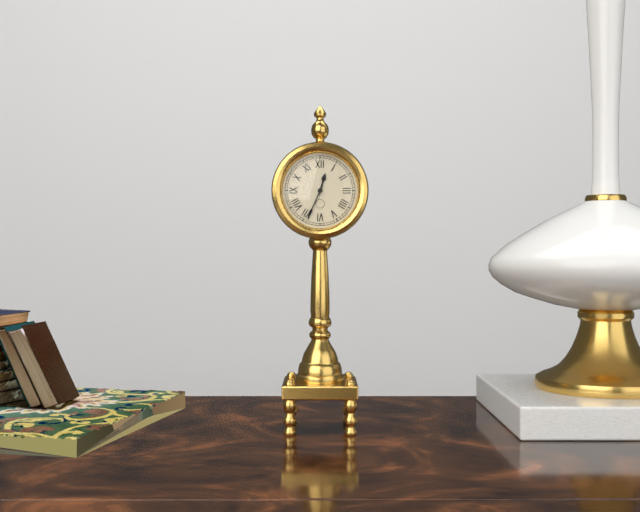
12:34
